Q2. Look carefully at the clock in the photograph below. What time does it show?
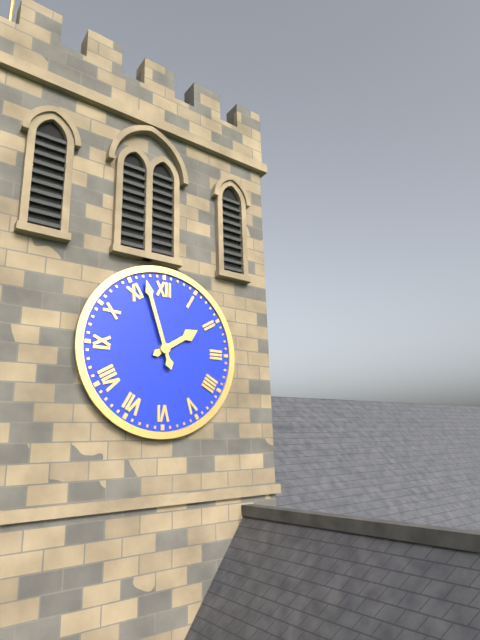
1:57
